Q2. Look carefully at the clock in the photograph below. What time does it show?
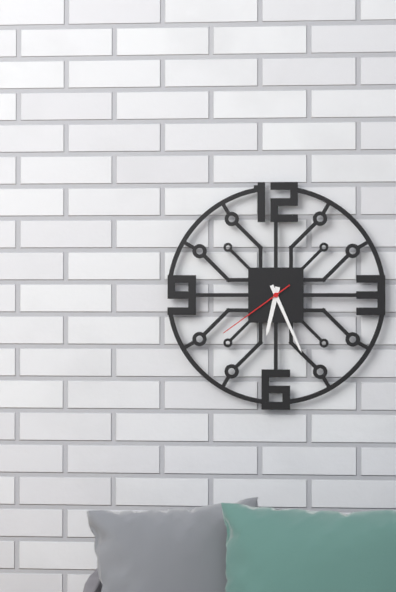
6:26:39
